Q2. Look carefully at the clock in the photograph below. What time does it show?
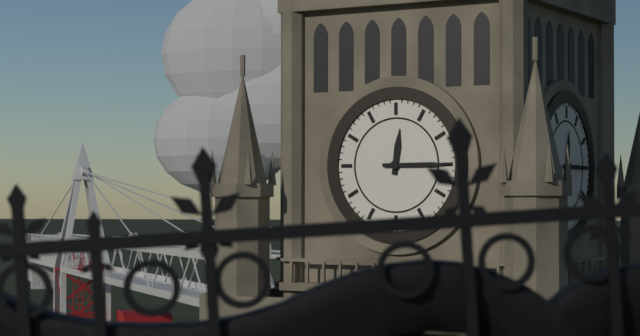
12:15
